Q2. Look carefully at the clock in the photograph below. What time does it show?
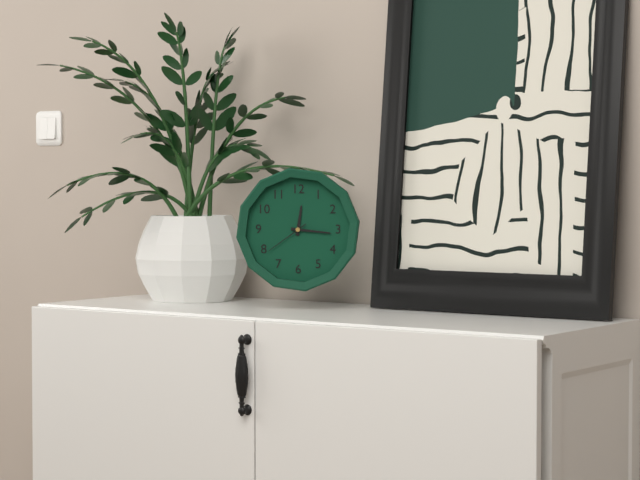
12:16
